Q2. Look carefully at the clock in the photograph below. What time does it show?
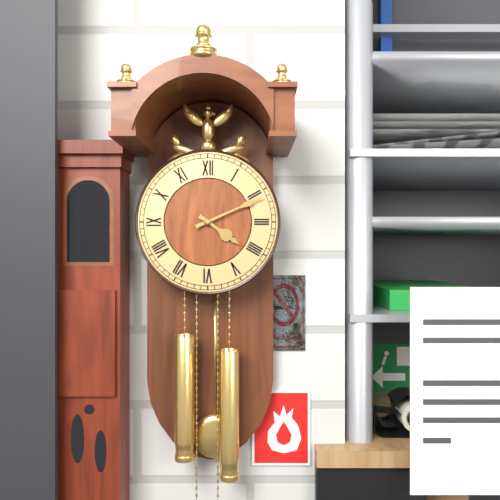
4:11
